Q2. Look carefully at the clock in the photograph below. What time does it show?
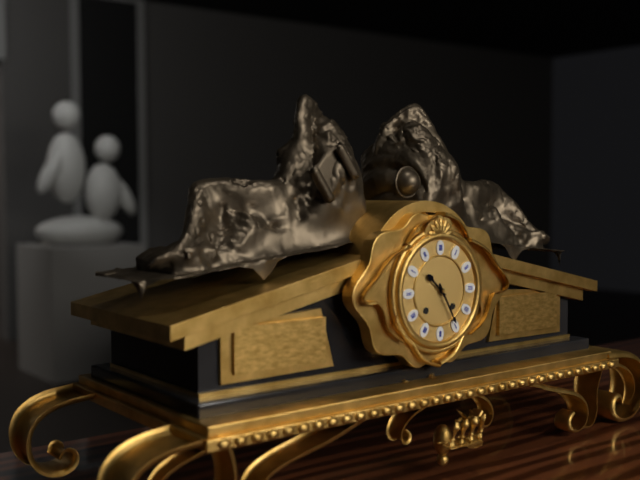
10:25
